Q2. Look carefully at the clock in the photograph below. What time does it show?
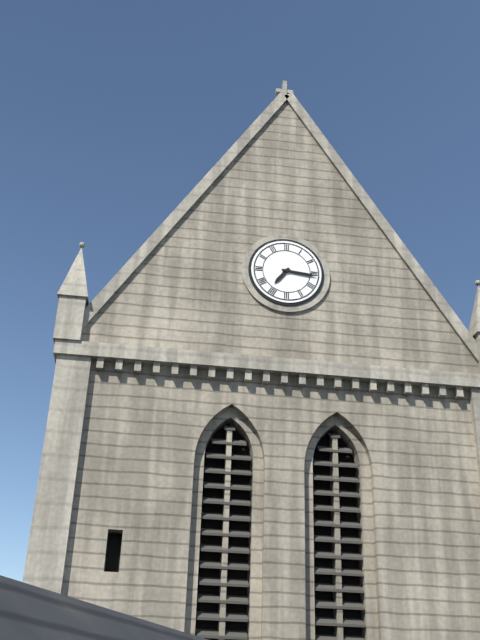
7:16
